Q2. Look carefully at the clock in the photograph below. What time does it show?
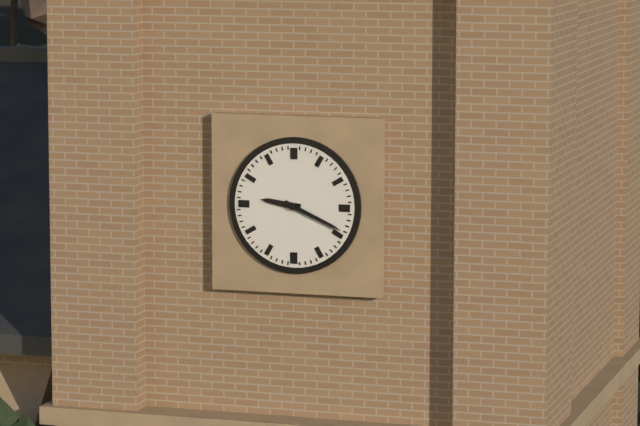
9:19
